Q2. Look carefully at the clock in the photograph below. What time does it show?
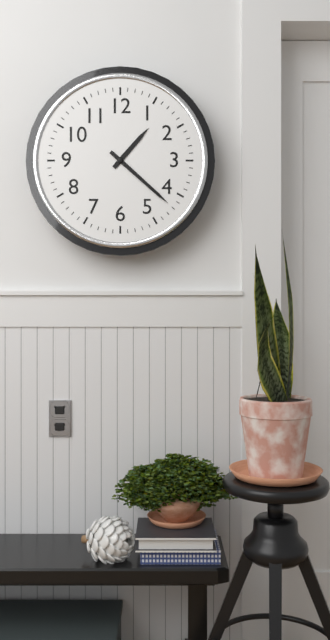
1:22
